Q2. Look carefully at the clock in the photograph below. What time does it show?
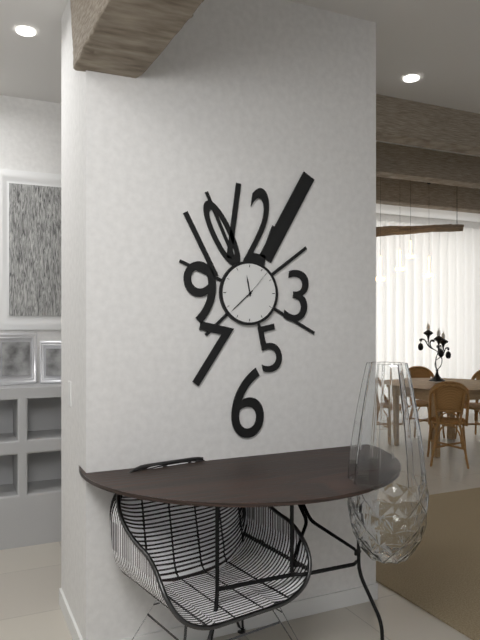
11:38
